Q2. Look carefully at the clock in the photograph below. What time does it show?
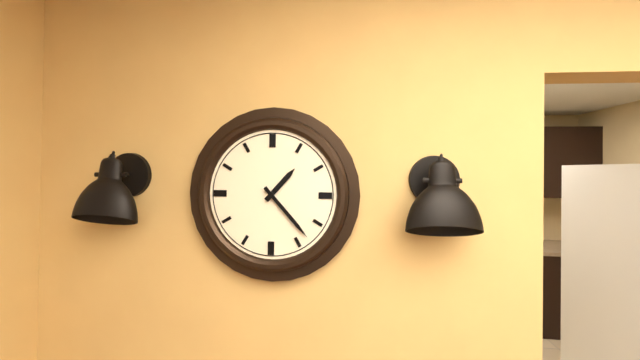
1:23
